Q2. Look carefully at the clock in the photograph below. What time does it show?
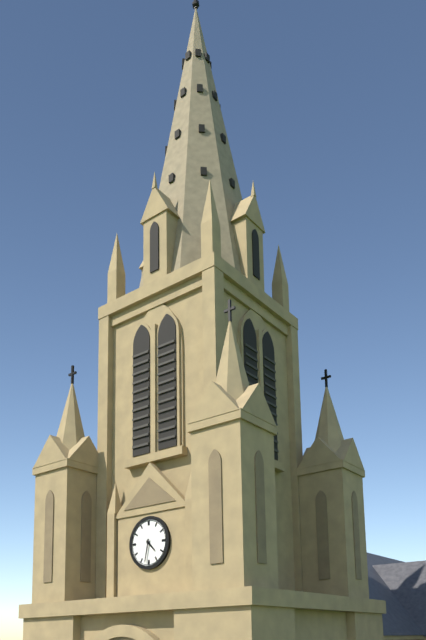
4:32
